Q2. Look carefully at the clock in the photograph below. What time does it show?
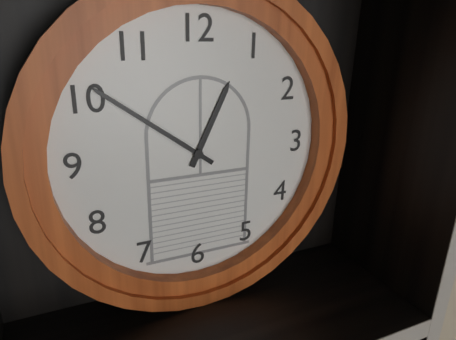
12:51
